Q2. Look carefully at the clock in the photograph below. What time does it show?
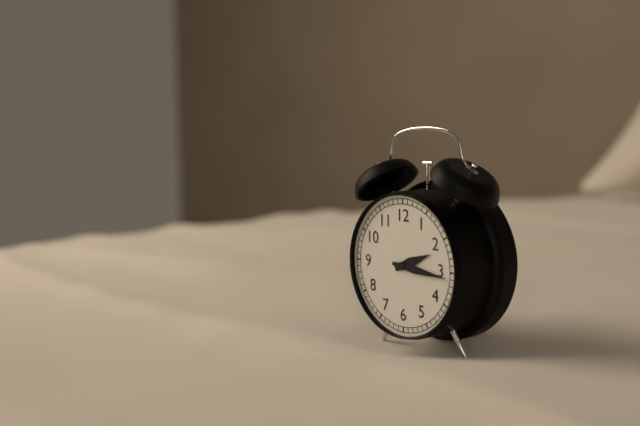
2:16
